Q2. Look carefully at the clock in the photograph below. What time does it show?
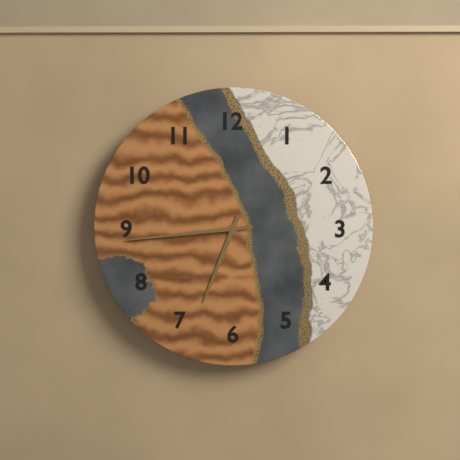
6:44
